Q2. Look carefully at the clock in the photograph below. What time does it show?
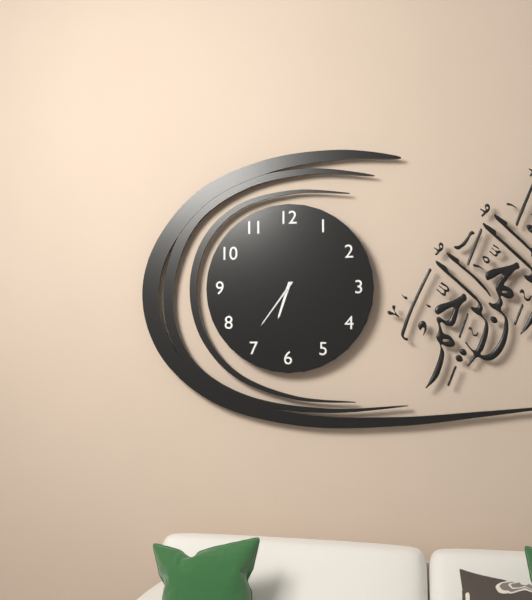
6:36
